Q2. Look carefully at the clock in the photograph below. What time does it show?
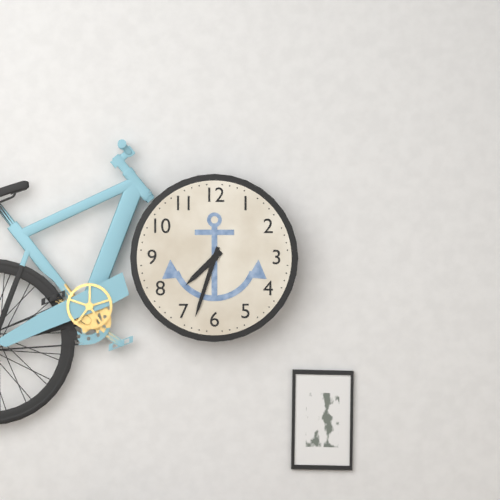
7:33
